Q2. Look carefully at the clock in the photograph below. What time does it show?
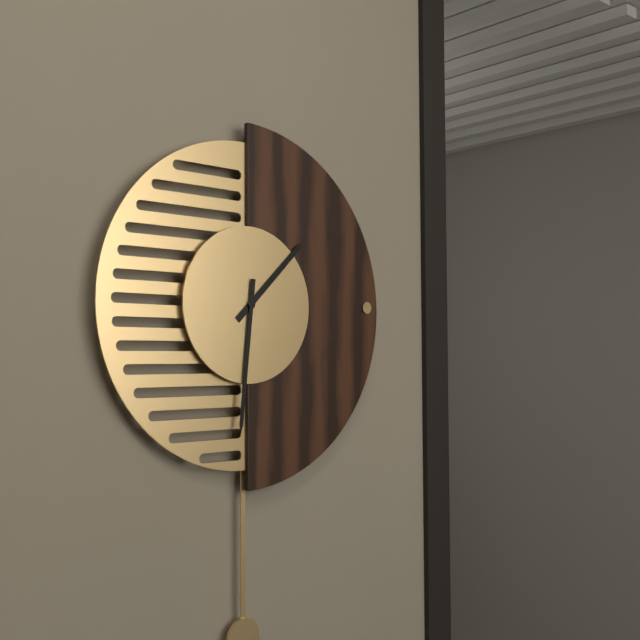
1:31
